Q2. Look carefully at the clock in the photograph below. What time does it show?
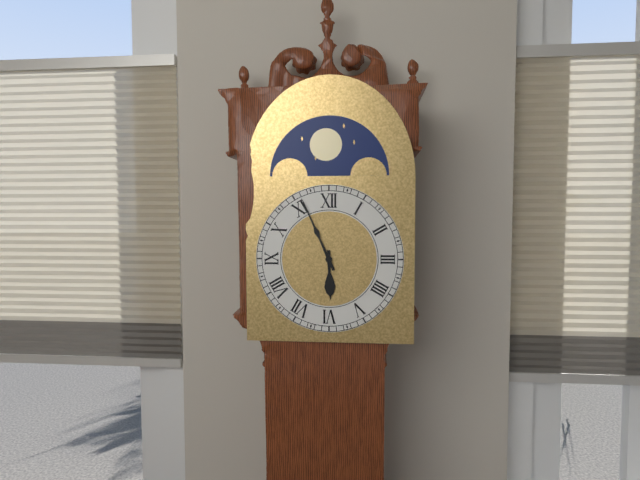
5:56
